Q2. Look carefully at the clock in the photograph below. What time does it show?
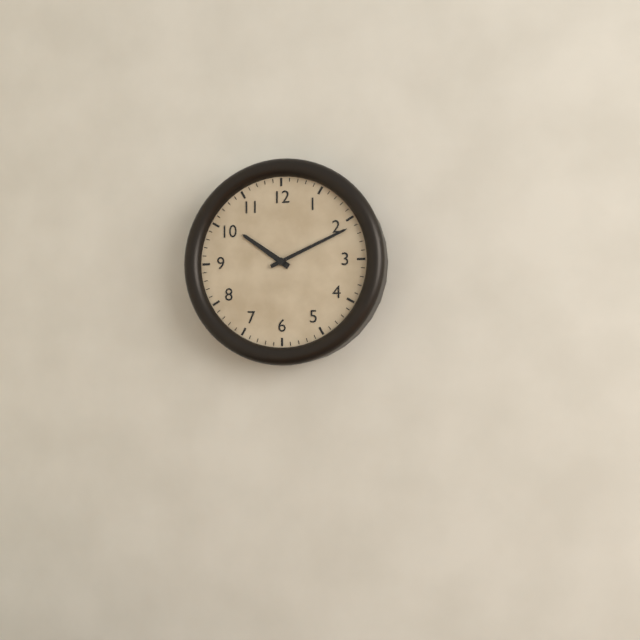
10:11
